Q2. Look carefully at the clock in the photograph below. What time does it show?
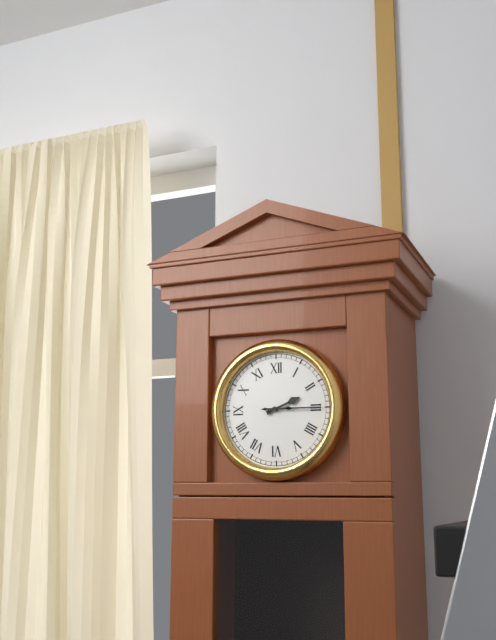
2:15
